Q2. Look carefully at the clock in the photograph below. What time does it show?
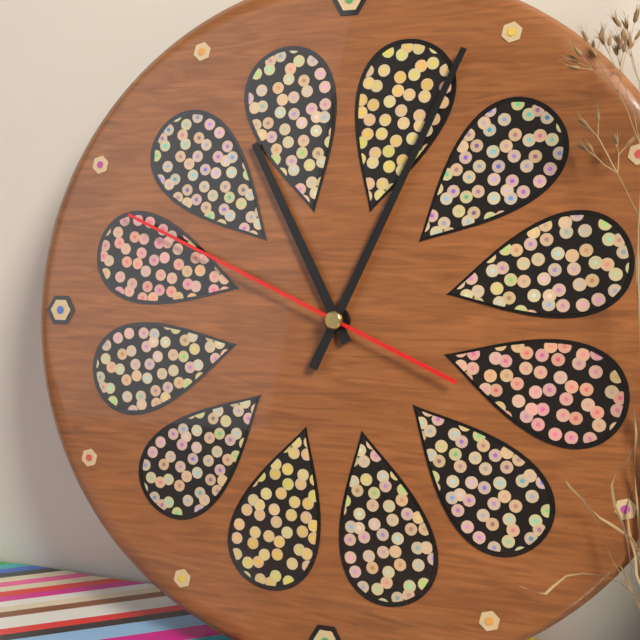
11:04:49
